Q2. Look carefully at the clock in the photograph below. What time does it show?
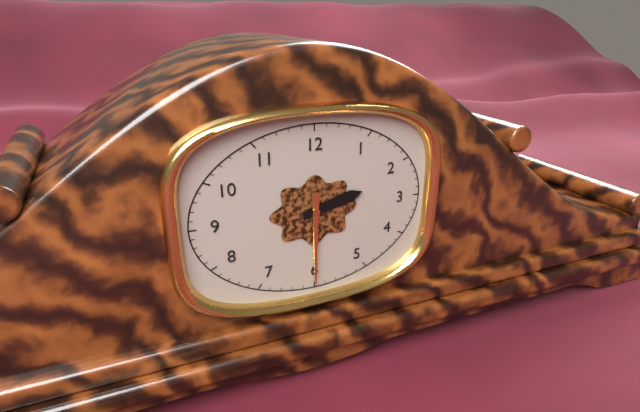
2:30
